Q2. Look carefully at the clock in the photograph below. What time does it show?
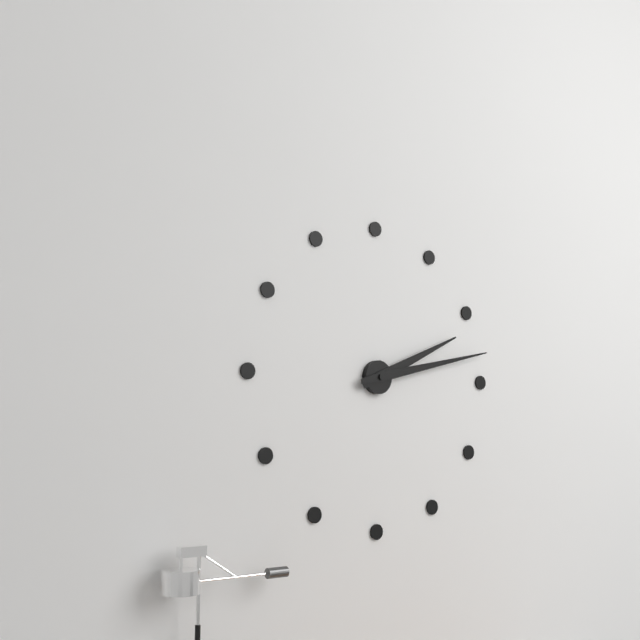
2:13
